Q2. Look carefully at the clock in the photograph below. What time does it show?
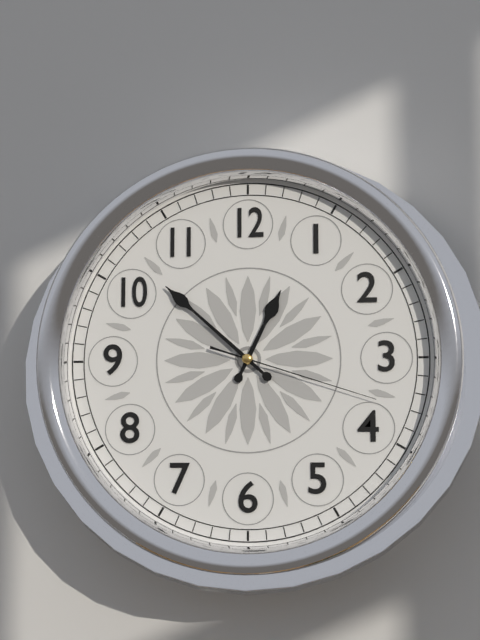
12:52:18
